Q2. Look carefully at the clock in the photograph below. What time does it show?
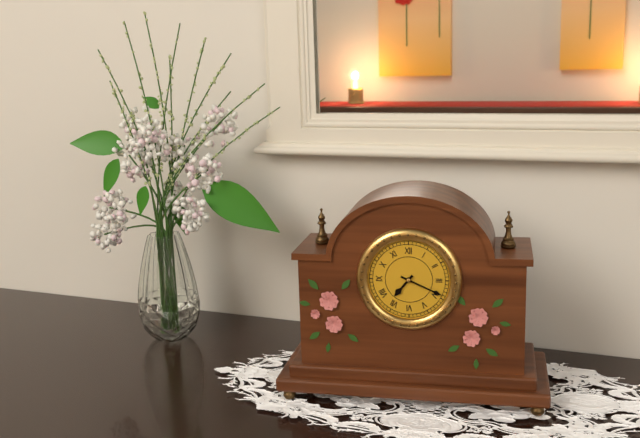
7:19
